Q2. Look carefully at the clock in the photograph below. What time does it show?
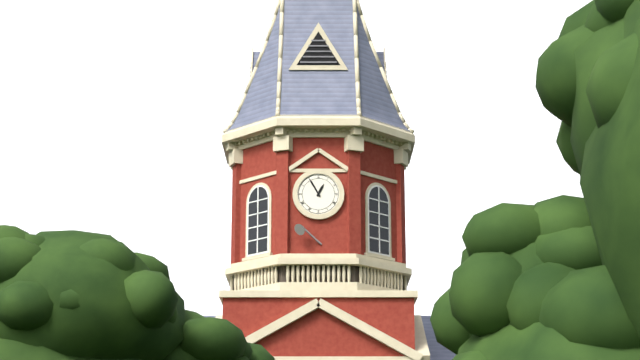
12:55
